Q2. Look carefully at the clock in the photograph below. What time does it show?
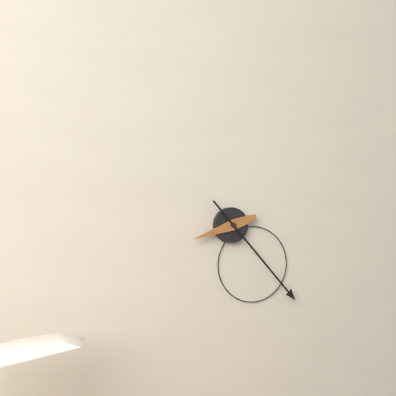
8:23
